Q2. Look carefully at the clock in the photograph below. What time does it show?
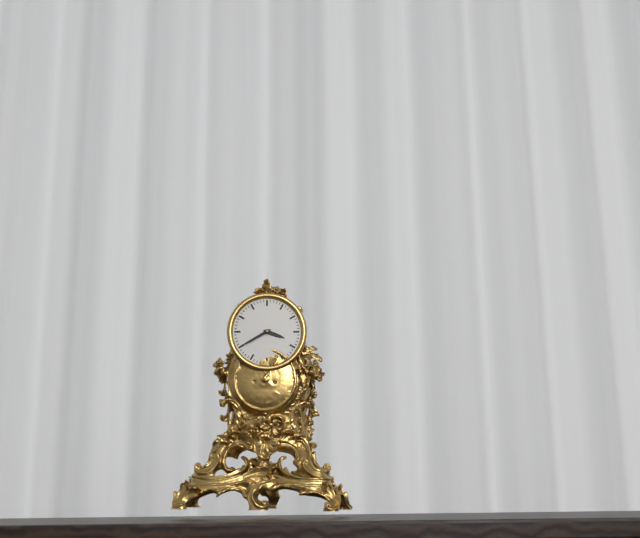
3:40
